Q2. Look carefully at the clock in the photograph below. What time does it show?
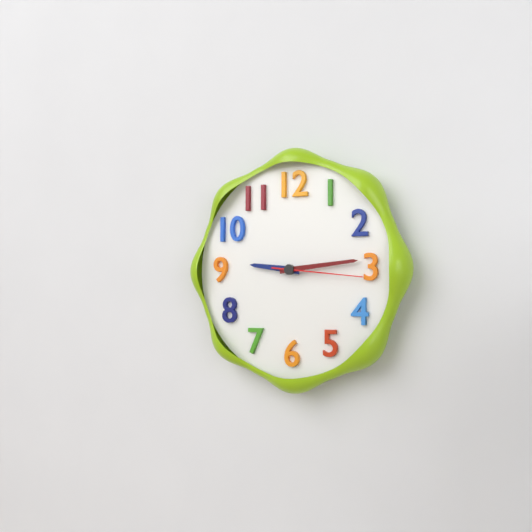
9:14:16
